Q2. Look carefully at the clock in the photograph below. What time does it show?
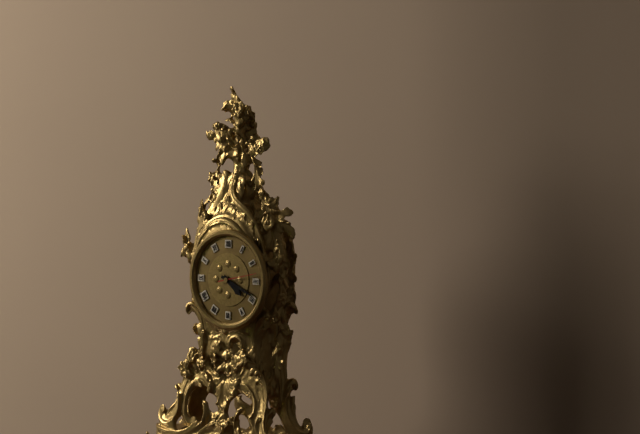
4:19
